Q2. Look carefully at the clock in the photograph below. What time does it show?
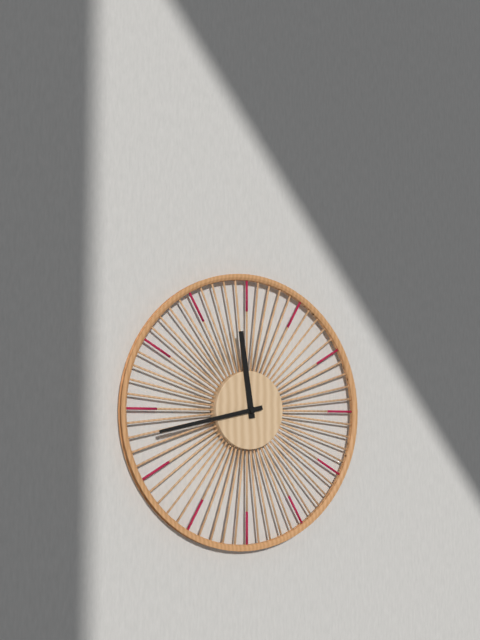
11:43
